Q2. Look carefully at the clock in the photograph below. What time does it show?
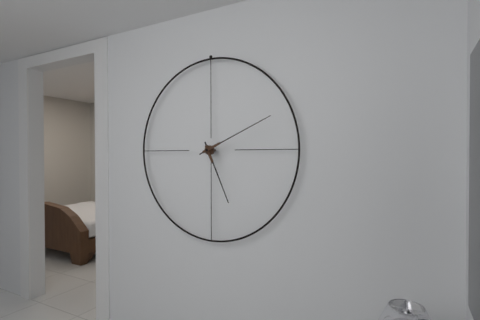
5:11
